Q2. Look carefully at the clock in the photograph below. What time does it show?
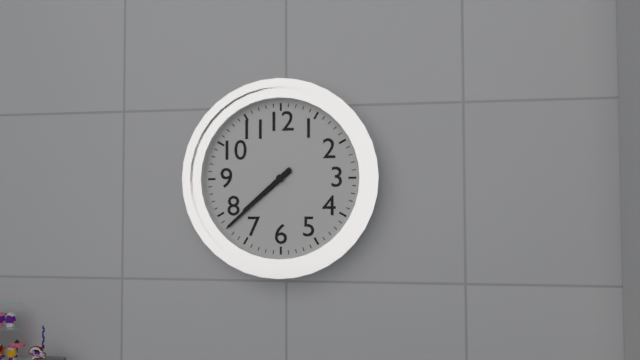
7:38
